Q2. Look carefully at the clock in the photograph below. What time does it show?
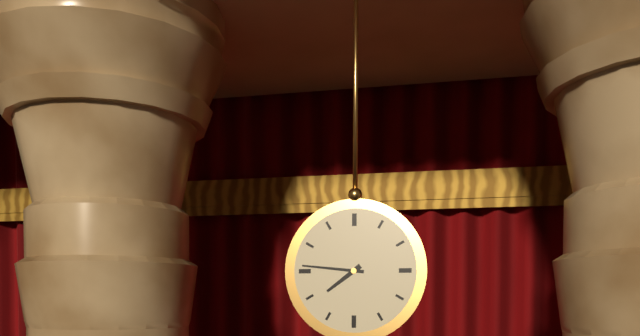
7:46
